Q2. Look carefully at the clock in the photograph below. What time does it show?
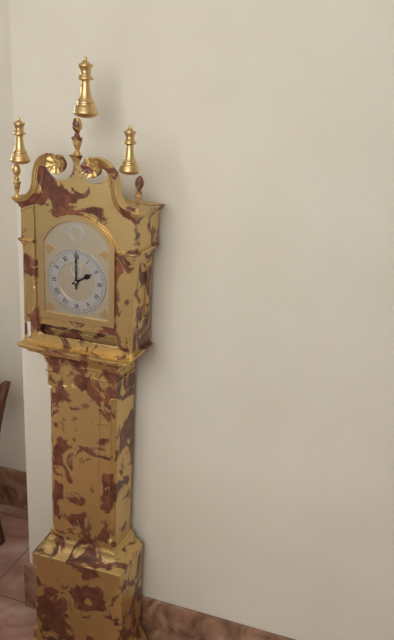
2:00
